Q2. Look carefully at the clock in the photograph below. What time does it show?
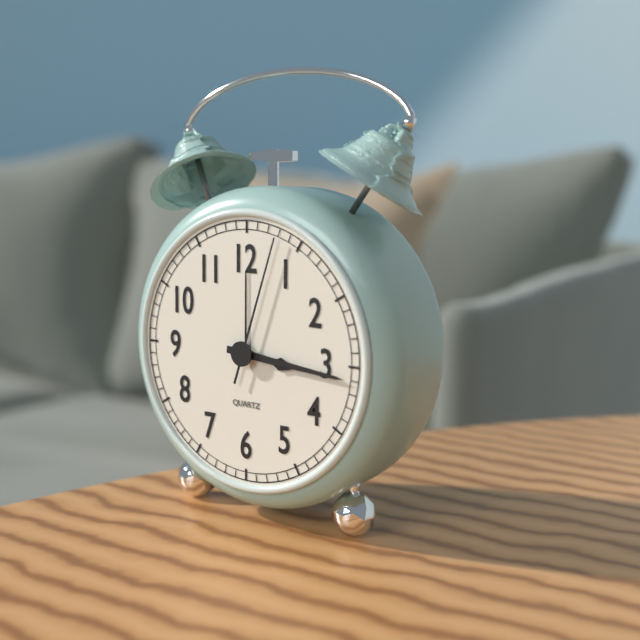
3:16:03
